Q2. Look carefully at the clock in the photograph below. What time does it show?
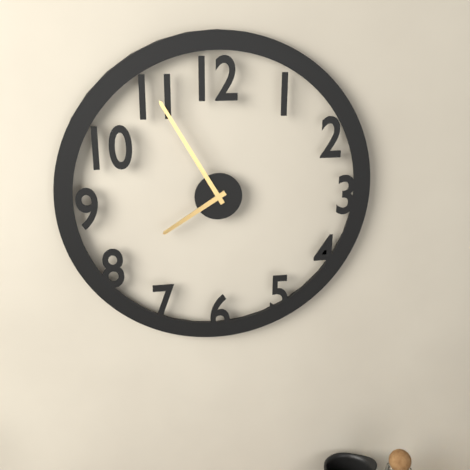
7:55
